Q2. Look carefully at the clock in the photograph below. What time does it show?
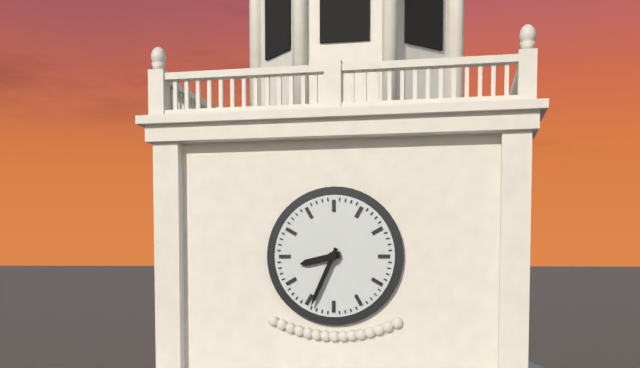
8:34
